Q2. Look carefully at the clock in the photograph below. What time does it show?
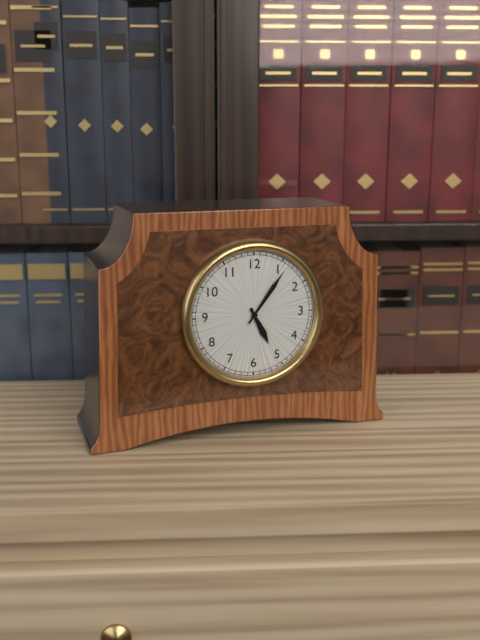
5:06
